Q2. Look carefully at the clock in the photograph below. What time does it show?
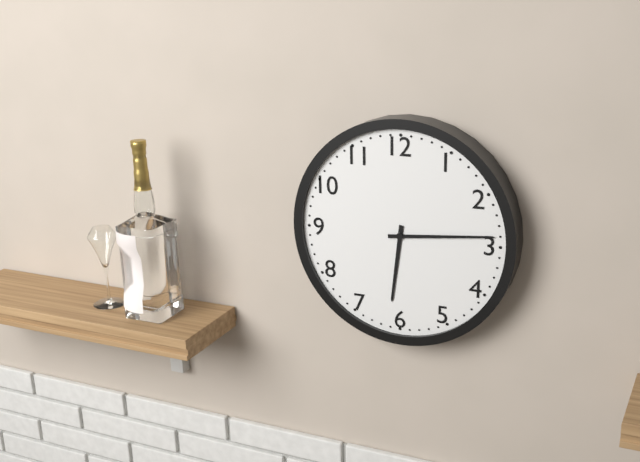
6:14
